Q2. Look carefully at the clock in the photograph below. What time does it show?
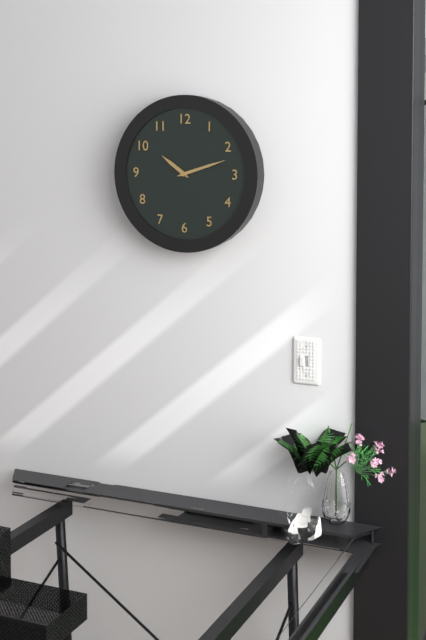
10:12
